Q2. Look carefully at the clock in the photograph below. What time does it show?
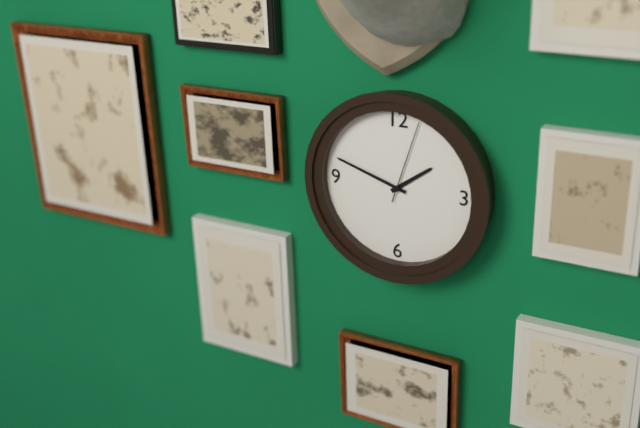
1:48:03
